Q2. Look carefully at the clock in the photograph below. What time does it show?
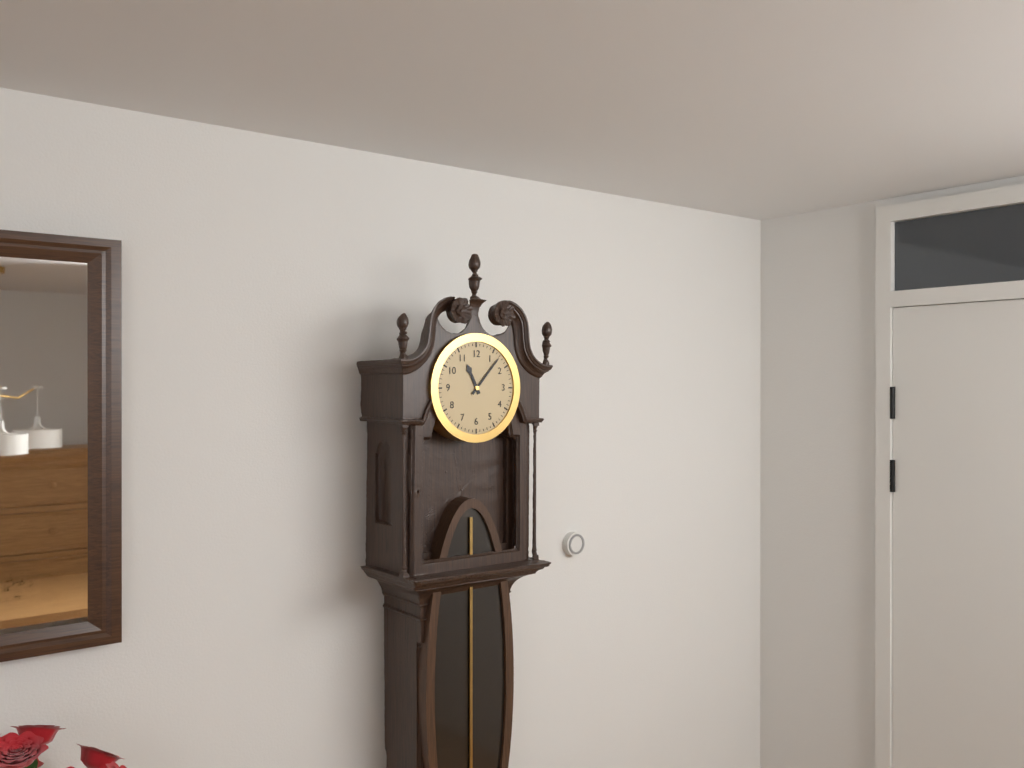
11:07
